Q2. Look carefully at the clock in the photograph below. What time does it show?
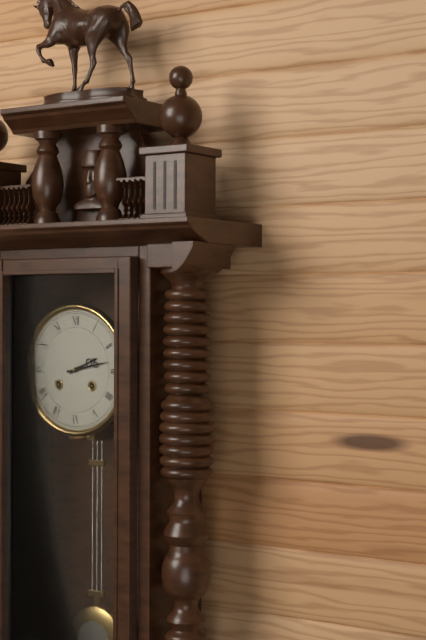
2:13
